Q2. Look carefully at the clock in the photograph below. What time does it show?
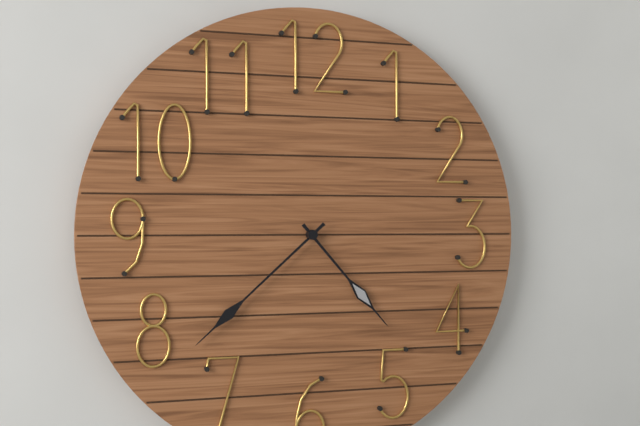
4:38
